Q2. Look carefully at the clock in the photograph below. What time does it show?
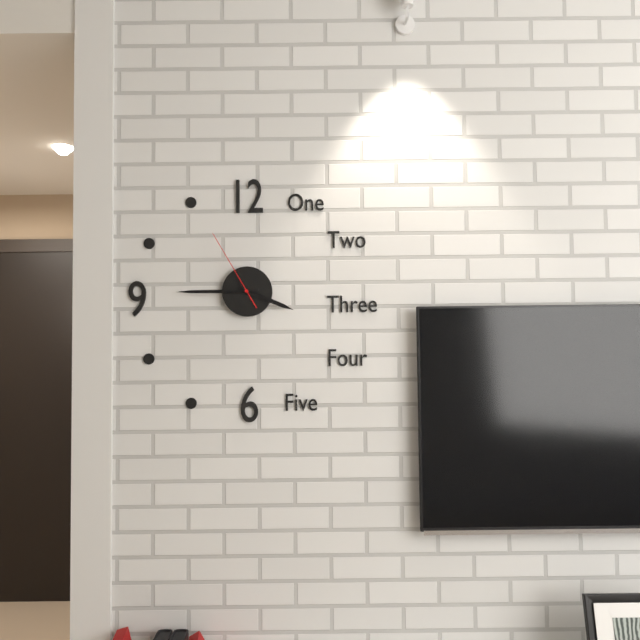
3:45:55
